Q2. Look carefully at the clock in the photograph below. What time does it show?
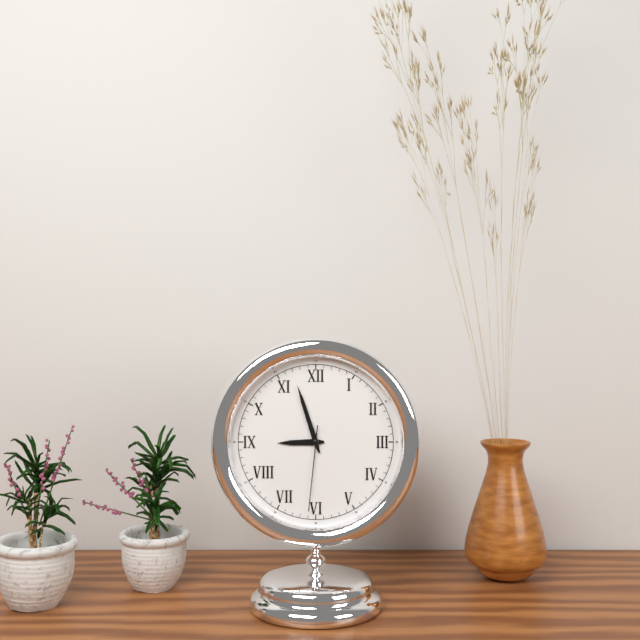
8:57:31
